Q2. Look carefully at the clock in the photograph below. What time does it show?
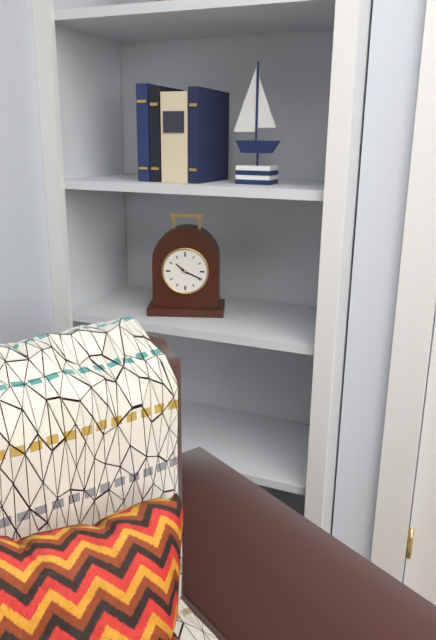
10:19
